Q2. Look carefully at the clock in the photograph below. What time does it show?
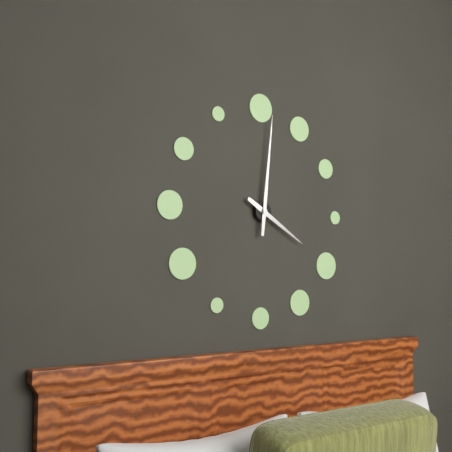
4:01
